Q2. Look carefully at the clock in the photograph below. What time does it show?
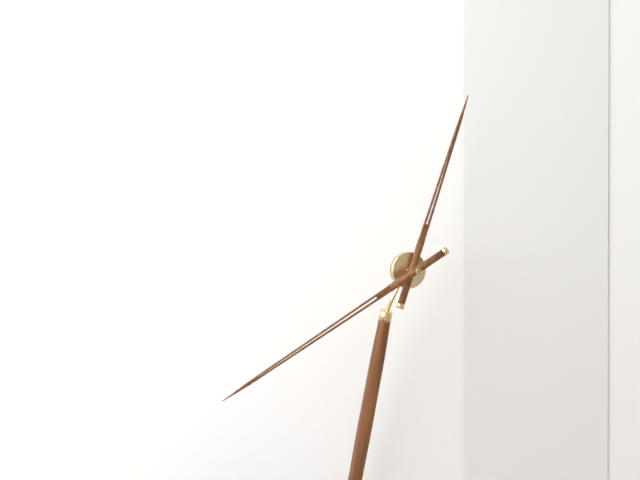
12:40
